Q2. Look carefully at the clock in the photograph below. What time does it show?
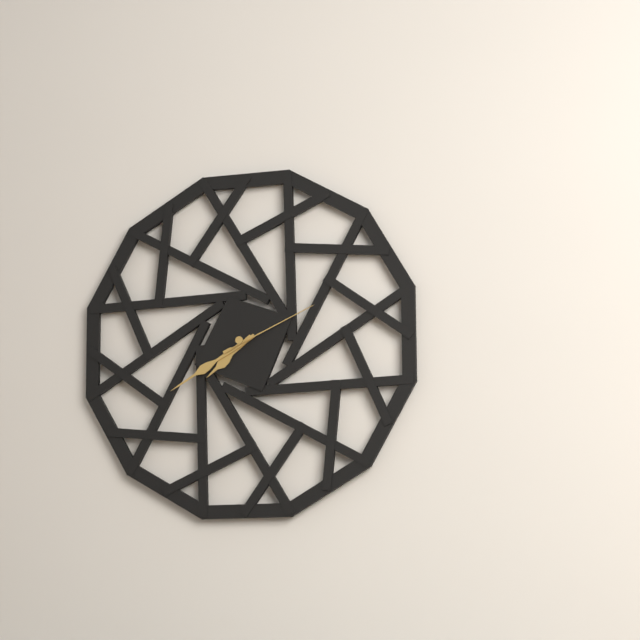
7:40:11
